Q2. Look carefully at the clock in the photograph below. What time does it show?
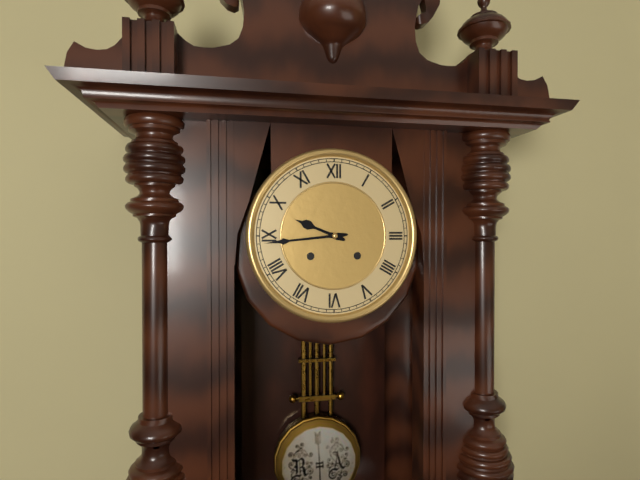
9:44
